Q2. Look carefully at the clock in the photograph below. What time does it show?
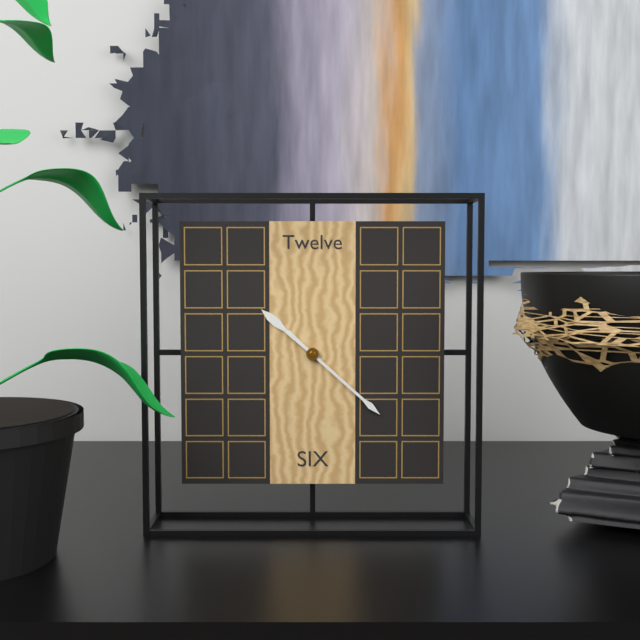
10:22
